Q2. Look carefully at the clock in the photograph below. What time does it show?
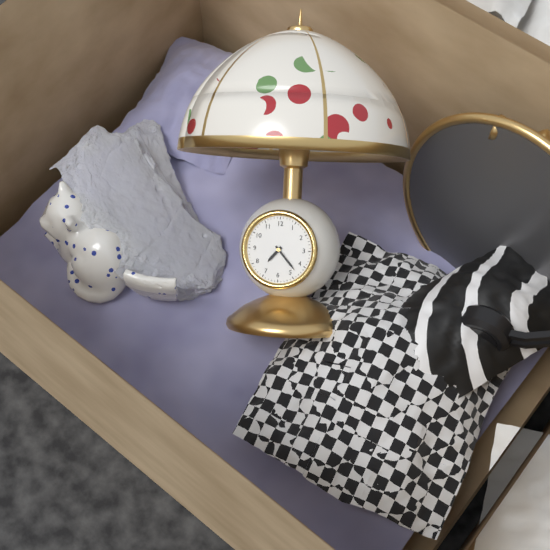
7:23
